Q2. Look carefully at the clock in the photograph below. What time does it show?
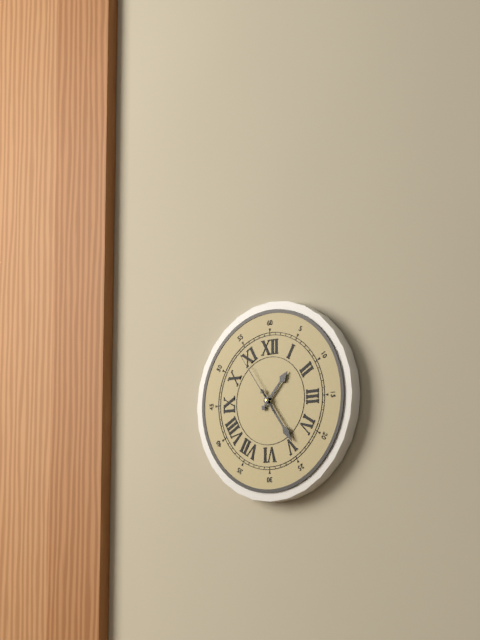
1:24:54
